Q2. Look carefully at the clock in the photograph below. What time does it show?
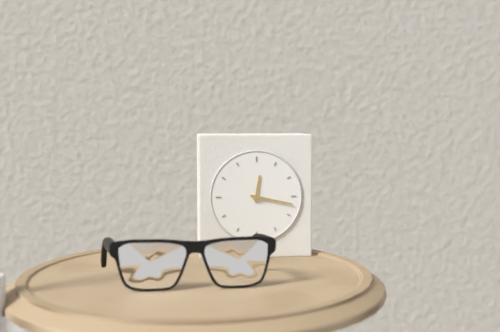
12:17
